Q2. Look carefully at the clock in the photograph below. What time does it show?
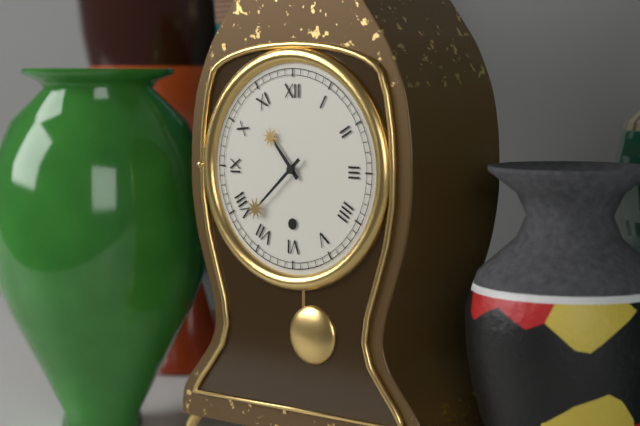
10:38
